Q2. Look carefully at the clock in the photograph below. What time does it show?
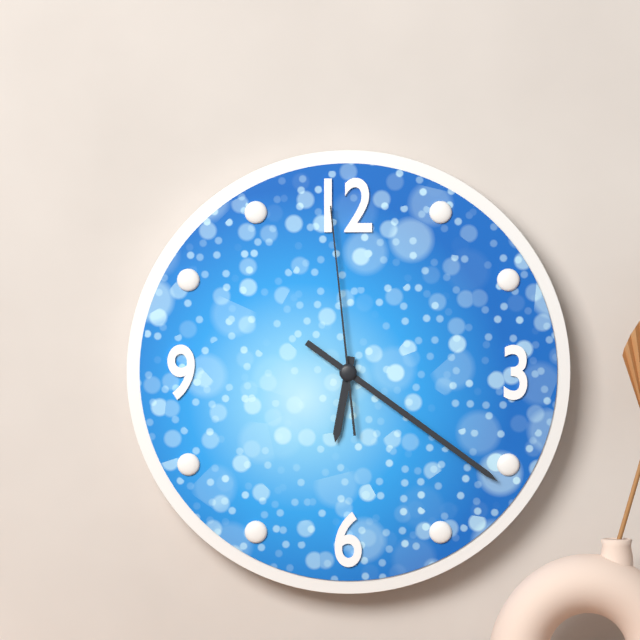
6:21:59
